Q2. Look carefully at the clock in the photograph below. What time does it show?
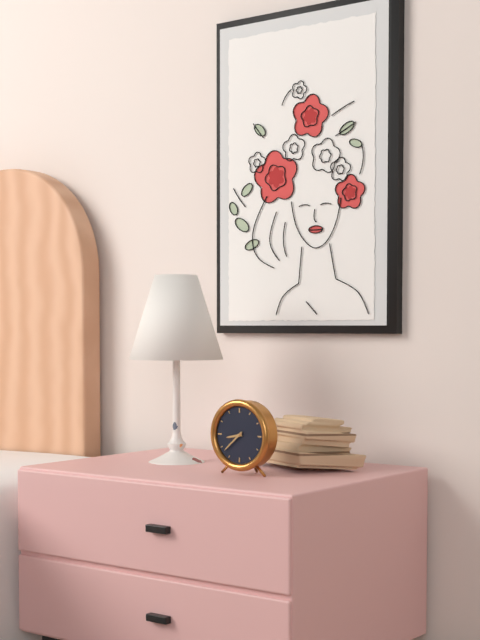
8:38
